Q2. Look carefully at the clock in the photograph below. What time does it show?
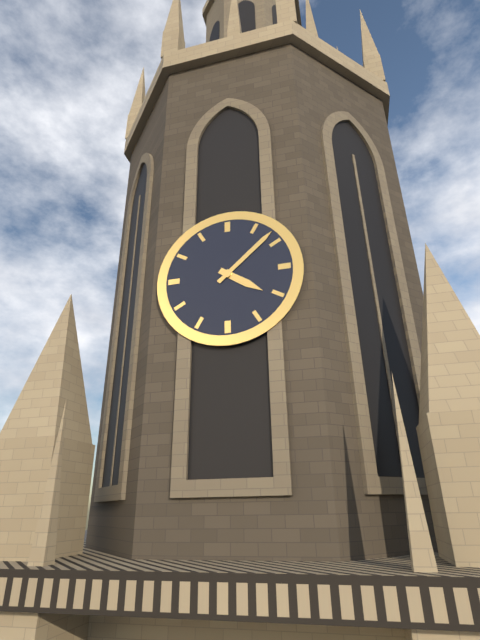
4:08
